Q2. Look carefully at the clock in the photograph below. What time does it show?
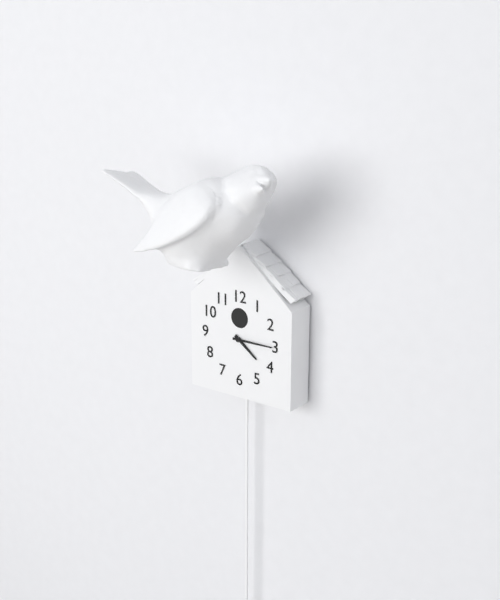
4:15
